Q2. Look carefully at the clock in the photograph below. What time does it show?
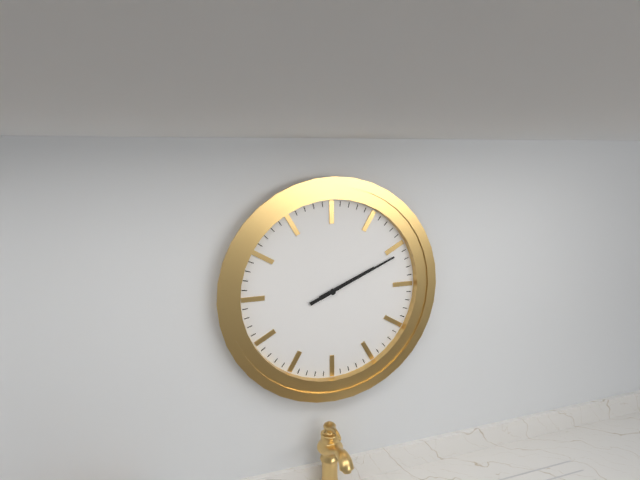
2:11
